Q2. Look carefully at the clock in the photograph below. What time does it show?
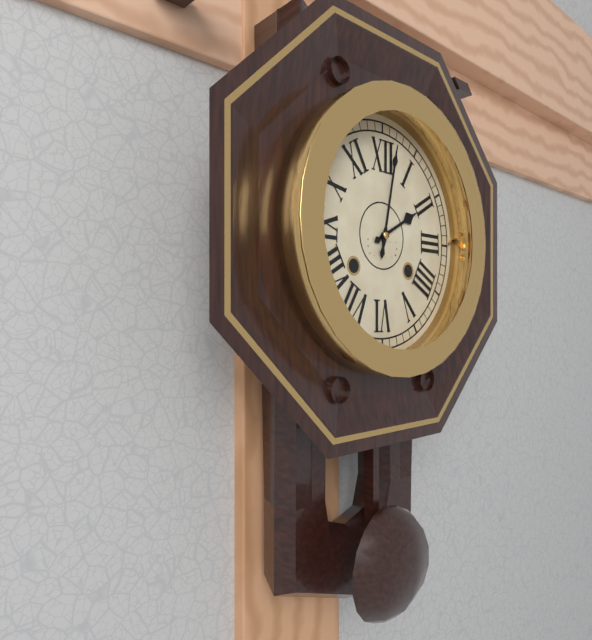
2:02
